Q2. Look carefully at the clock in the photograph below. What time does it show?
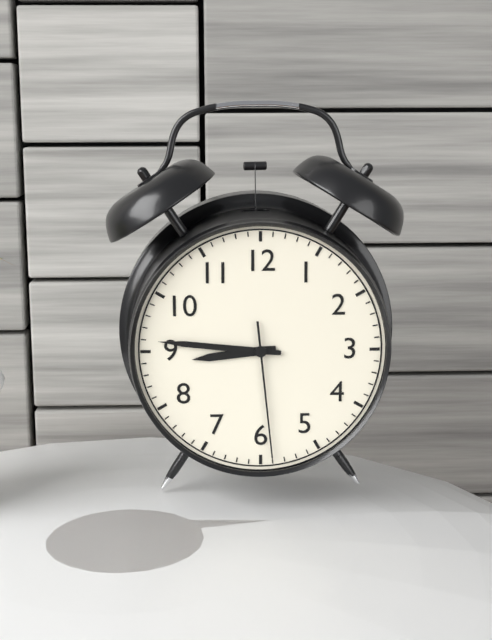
8:46:29
